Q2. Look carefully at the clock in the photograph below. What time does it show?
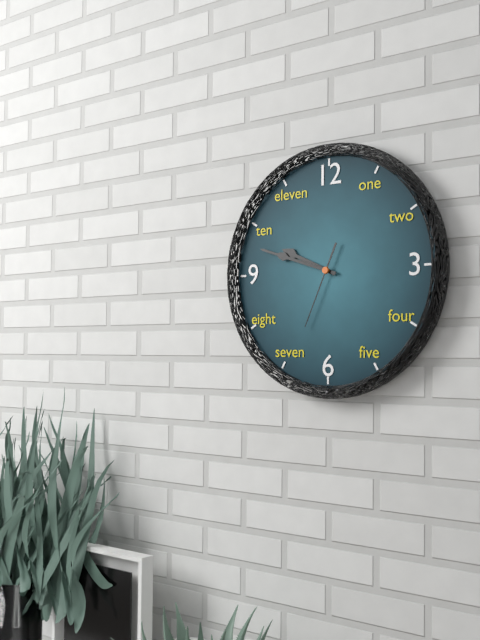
9:48:34
